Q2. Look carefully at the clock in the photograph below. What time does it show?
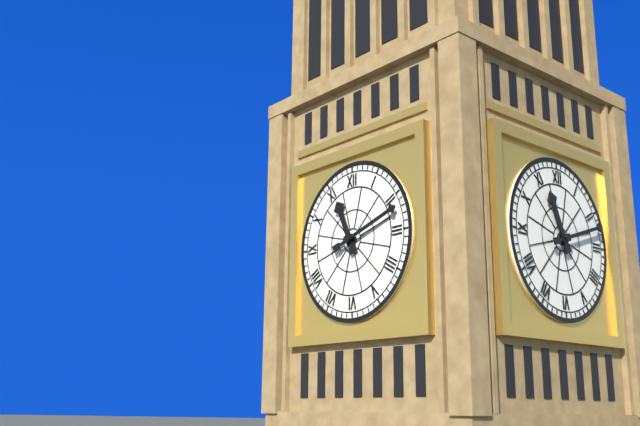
11:12
